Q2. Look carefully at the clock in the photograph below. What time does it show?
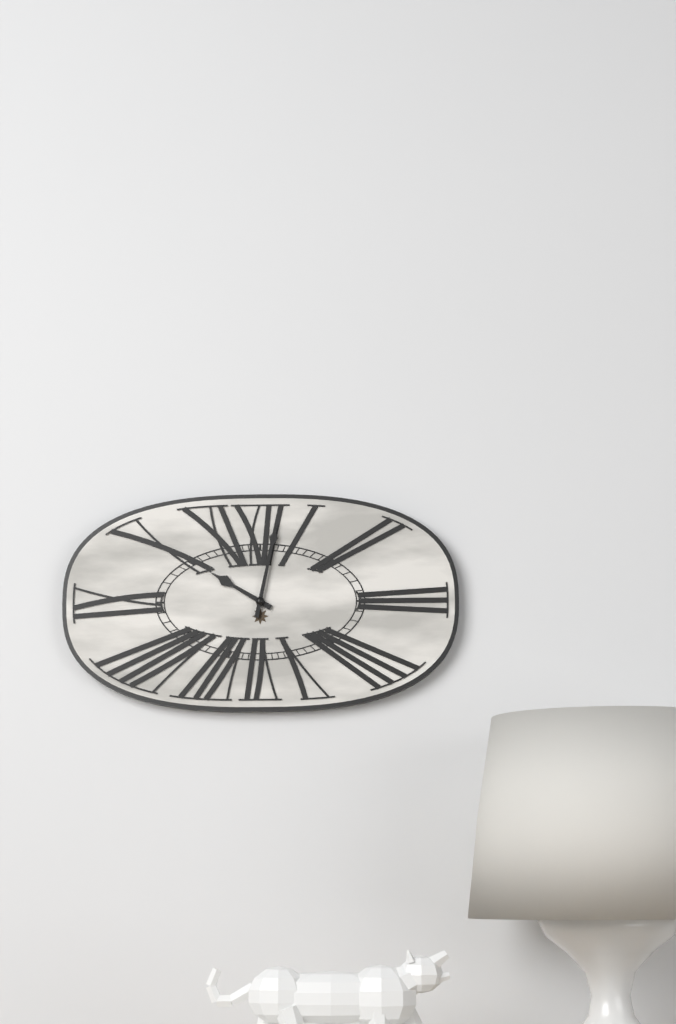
10:02
